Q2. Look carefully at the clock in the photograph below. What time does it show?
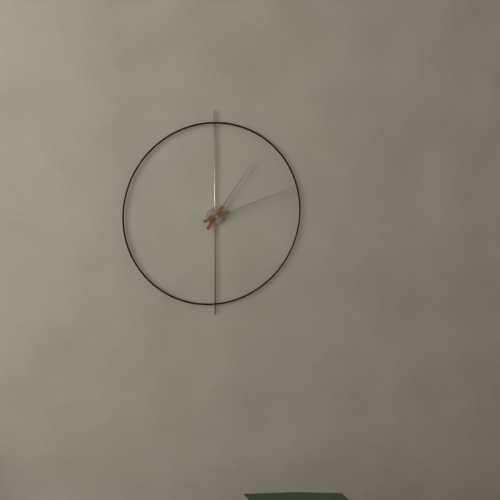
1:12
